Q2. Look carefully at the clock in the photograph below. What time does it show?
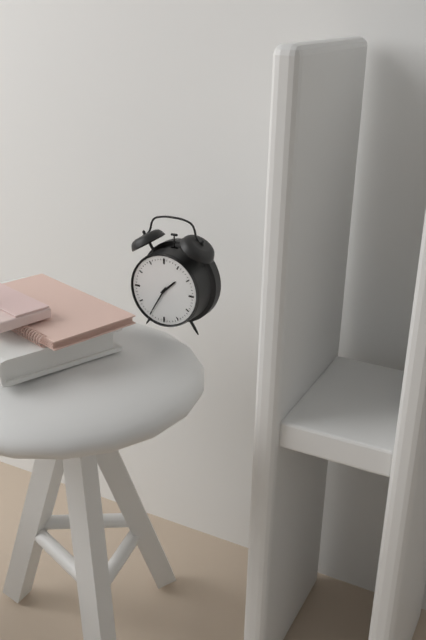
1:35
